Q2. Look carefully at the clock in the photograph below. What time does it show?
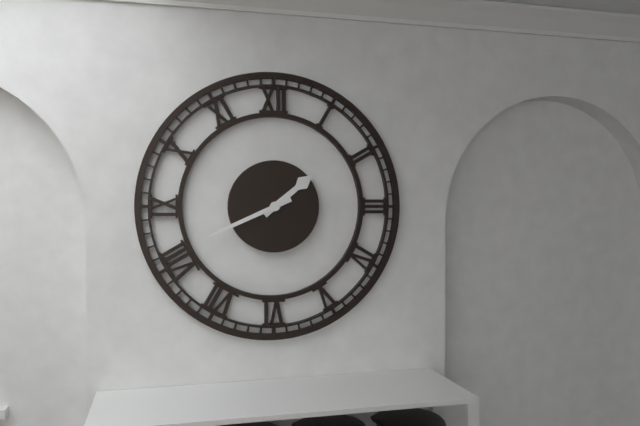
1:41
